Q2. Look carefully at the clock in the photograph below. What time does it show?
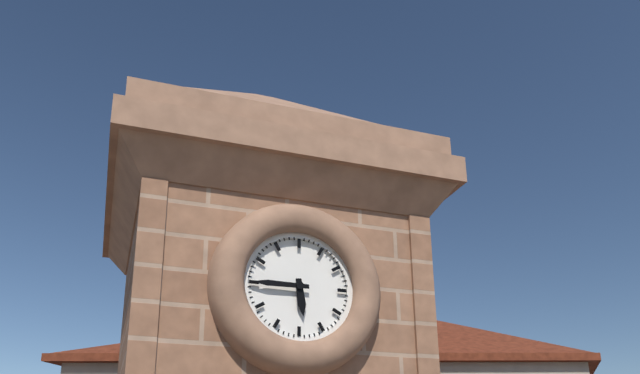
5:45
